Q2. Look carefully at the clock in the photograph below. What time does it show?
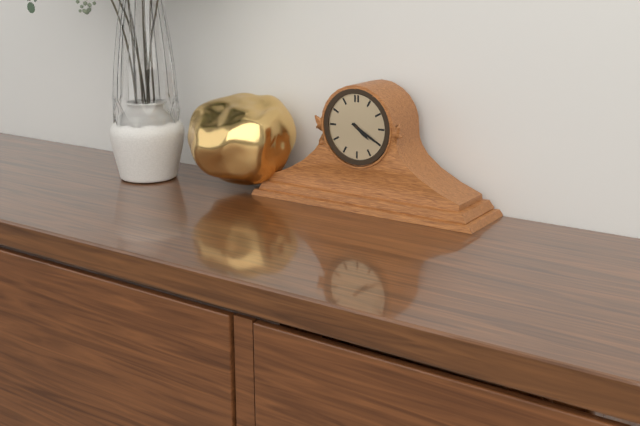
4:20
